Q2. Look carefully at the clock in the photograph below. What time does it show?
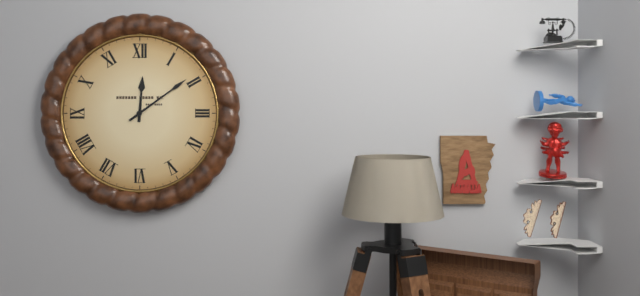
12:09
